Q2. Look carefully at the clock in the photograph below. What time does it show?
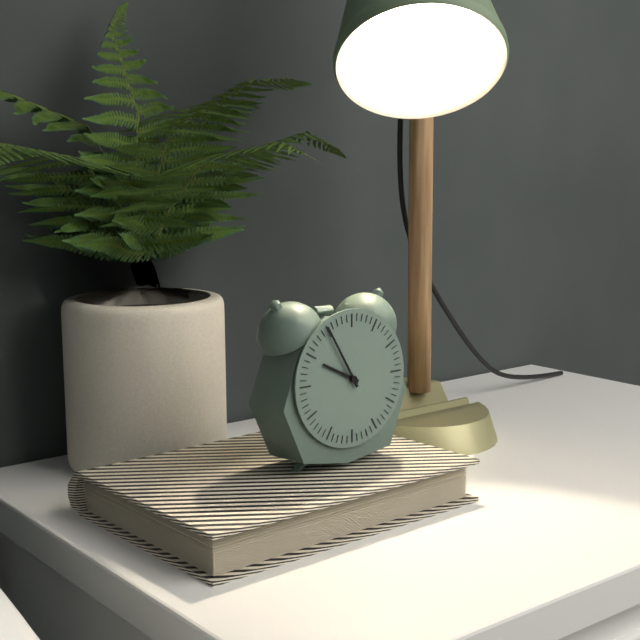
9:55
